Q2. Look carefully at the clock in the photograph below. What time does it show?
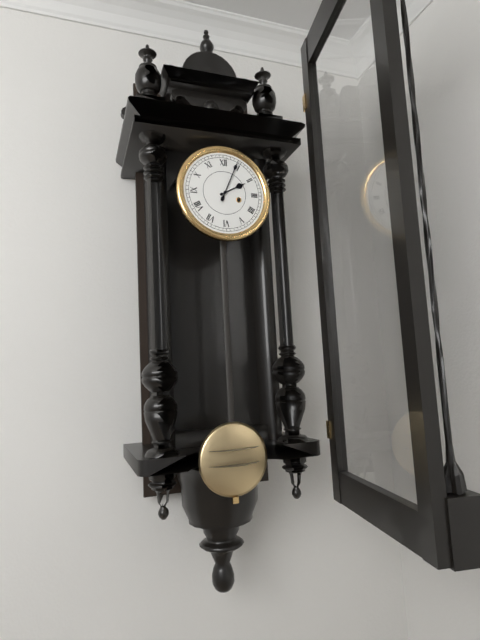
2:04
